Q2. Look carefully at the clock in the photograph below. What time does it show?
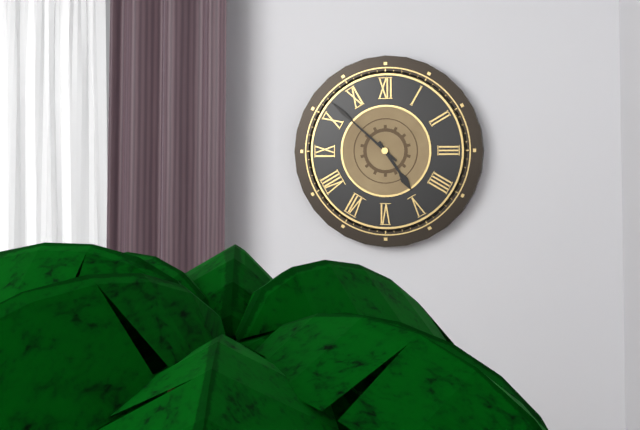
4:52
